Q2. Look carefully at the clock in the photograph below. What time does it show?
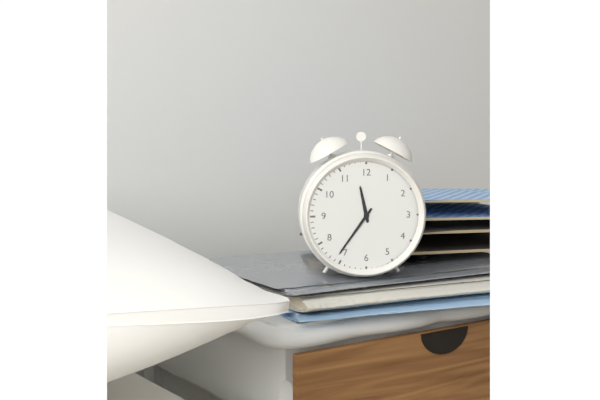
11:36
